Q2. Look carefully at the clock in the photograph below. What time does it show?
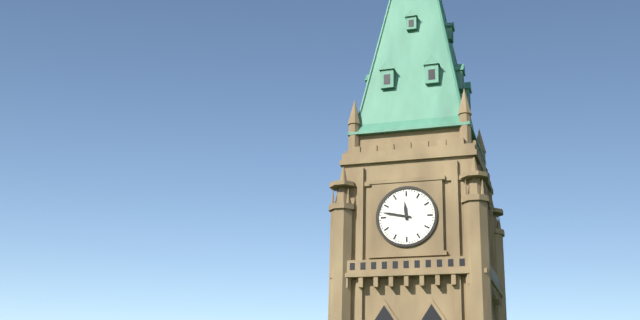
11:47
